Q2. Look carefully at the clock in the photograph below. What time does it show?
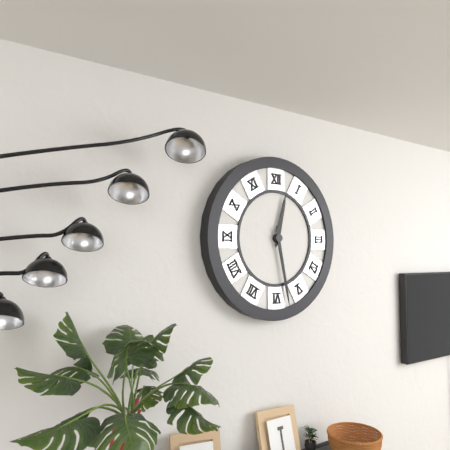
12:28
